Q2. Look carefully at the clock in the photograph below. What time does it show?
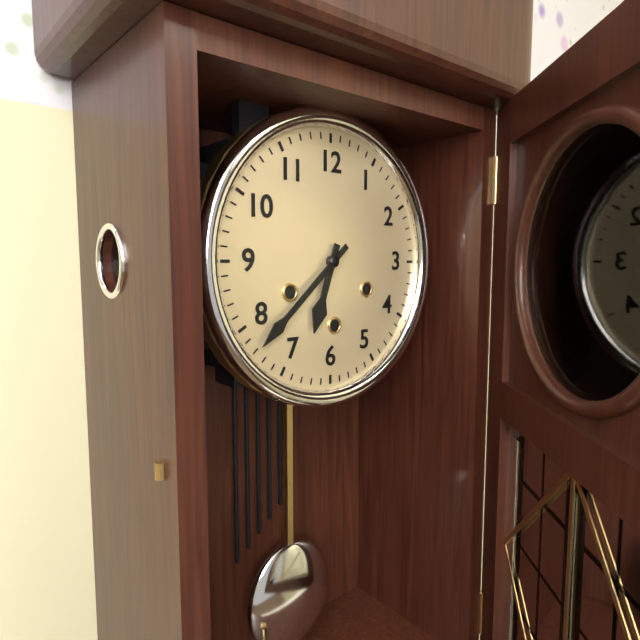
6:38
